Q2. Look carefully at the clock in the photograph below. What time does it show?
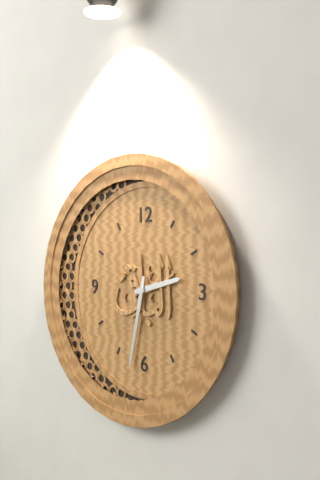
2:32
